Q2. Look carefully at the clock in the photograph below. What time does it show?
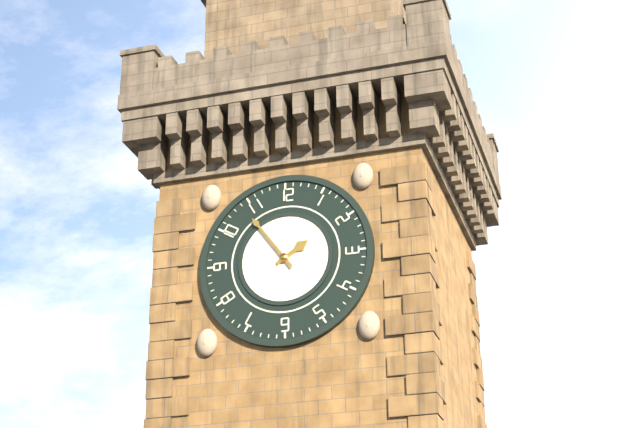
1:54
